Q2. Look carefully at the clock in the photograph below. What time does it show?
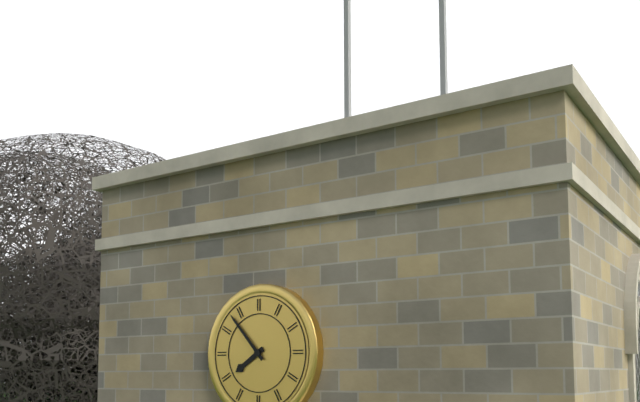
7:53
